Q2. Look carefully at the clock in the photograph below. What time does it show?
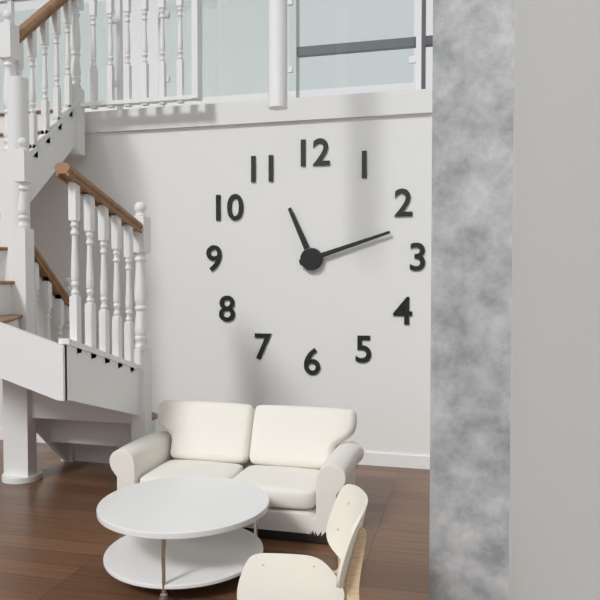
11:12
